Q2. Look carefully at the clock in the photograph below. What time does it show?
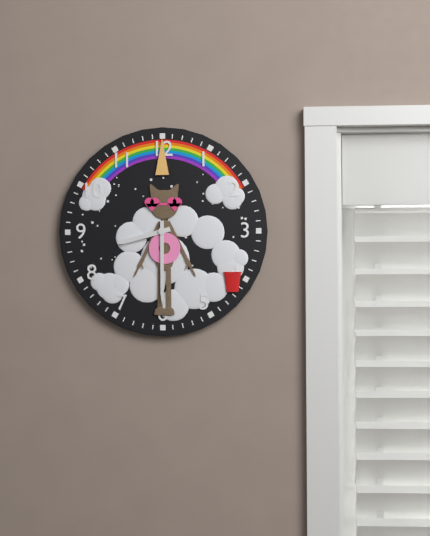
8:30
